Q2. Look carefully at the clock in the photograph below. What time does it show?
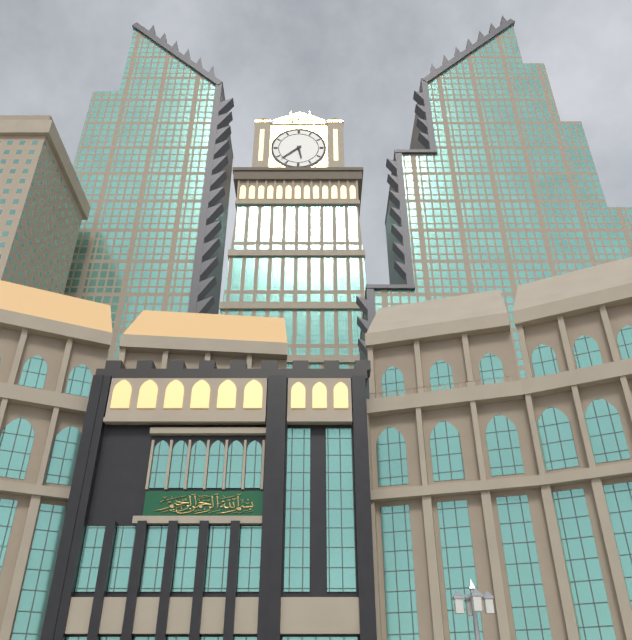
5:38
